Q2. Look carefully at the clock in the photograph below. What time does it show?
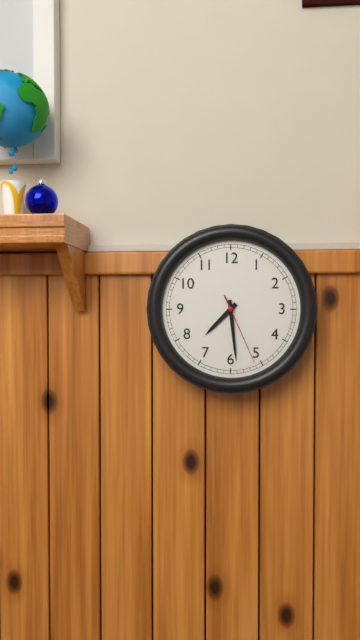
7:29:26
